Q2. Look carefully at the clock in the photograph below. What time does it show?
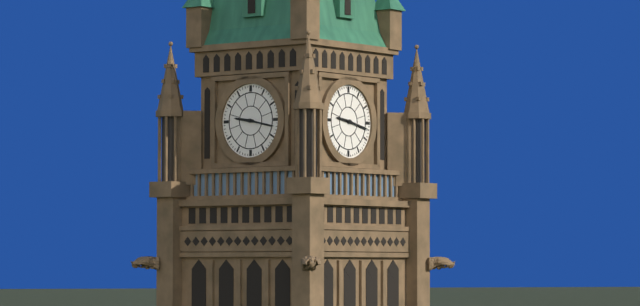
9:17
